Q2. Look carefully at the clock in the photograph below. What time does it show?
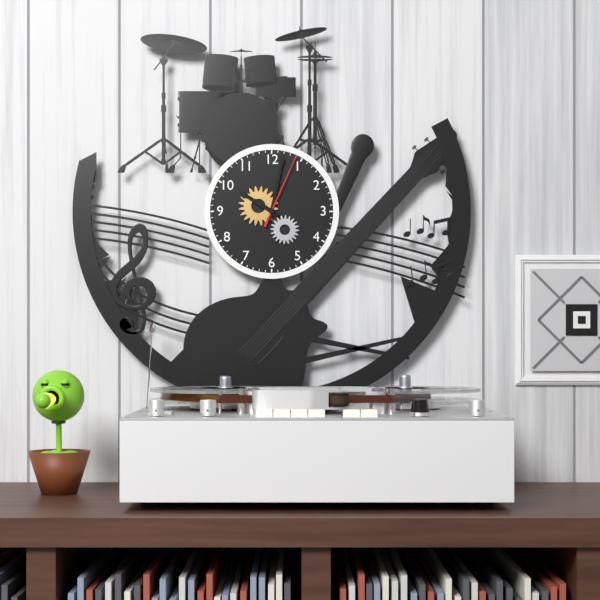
10:02:04
